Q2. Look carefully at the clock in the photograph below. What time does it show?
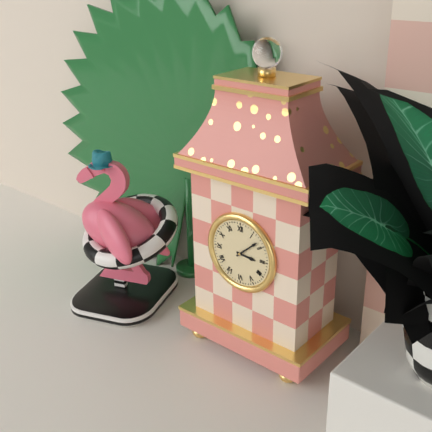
3:08
